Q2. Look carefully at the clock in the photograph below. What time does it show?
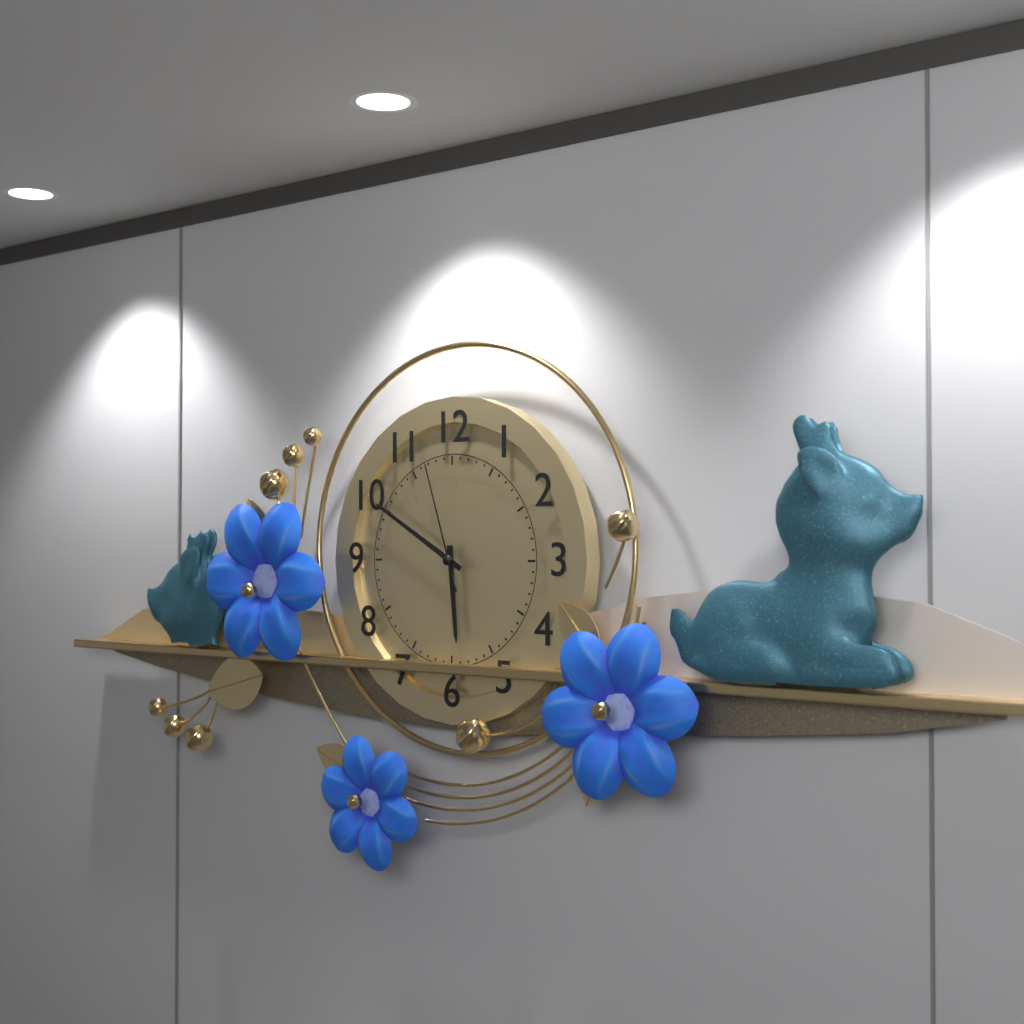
5:50:57
